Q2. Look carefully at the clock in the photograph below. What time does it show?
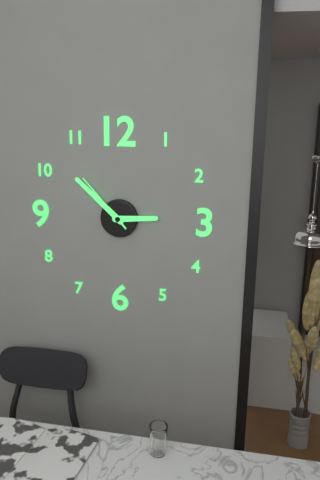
2:52:53
